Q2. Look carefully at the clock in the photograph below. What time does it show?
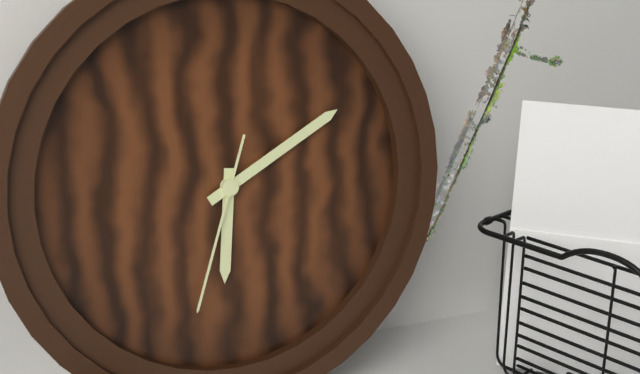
6:10:33
